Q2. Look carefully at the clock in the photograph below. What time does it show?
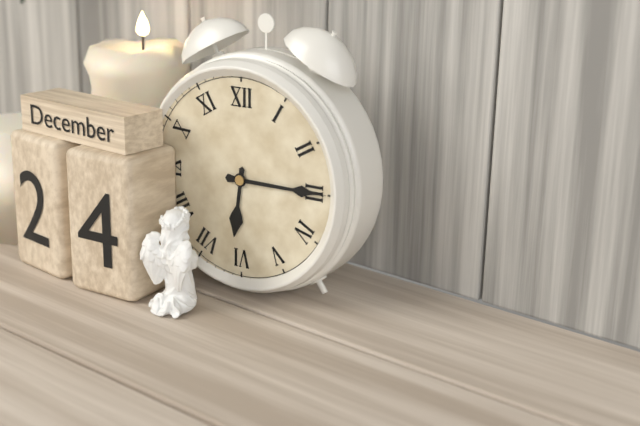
6:15
